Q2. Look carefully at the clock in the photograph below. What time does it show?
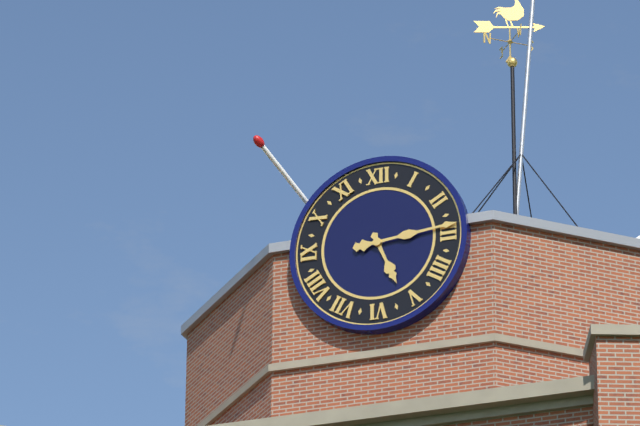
5:14
